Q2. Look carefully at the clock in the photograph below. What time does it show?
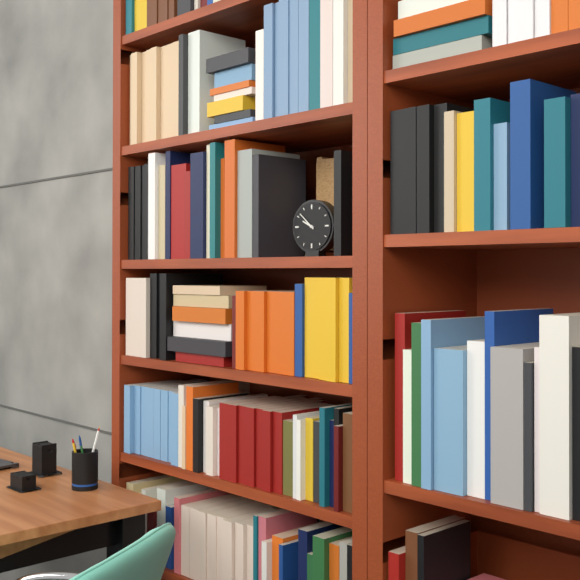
9:52
